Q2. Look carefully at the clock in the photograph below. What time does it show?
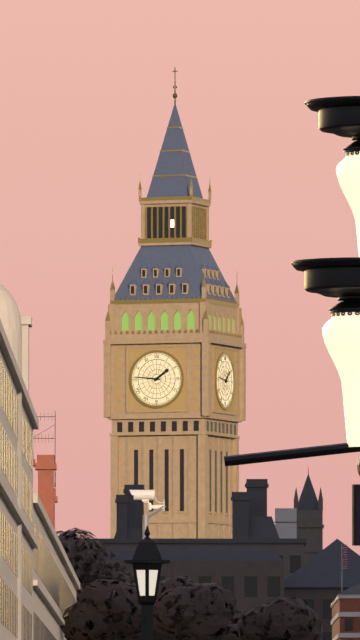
1:46
